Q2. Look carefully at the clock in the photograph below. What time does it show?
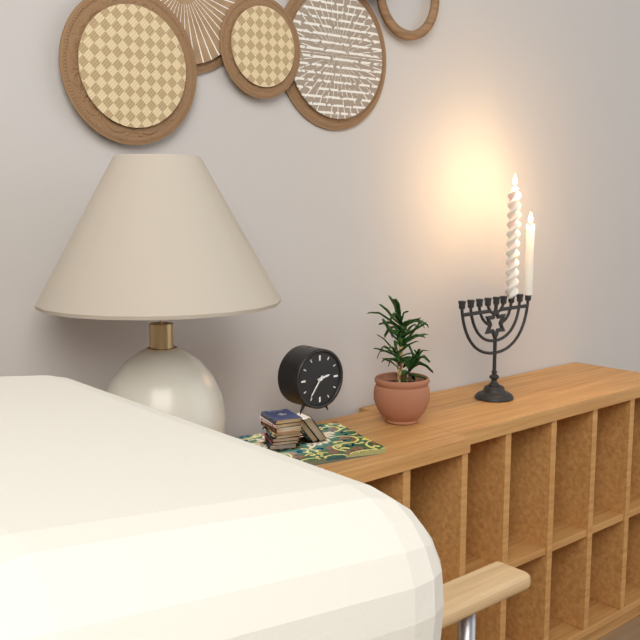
2:36
